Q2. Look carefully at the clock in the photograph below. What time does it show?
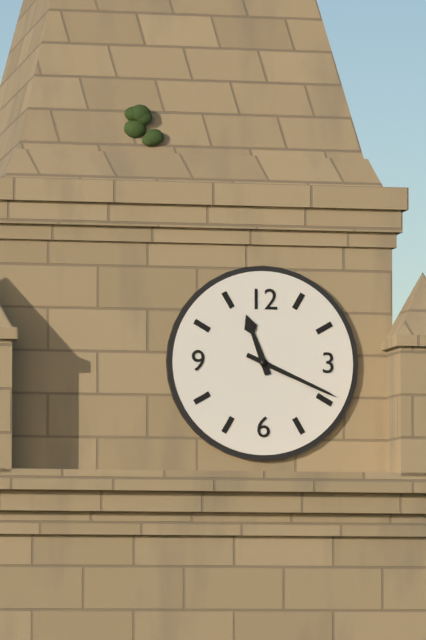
11:19
